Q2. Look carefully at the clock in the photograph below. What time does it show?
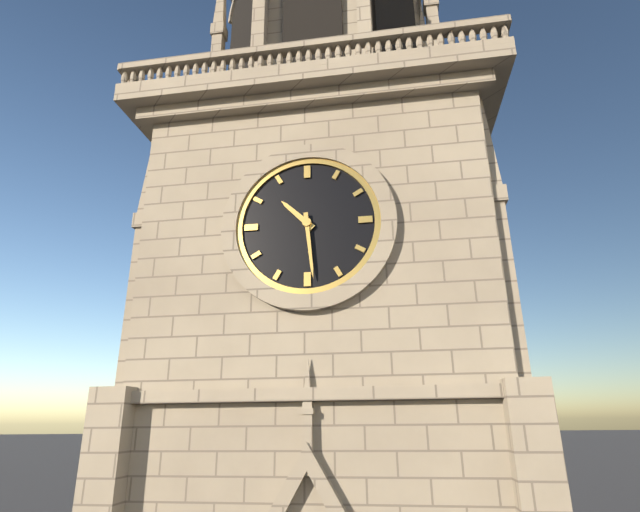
10:29
